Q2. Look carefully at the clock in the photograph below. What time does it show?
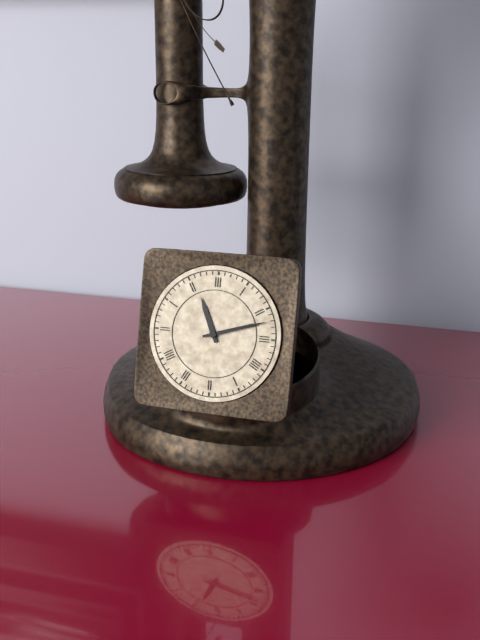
11:12
